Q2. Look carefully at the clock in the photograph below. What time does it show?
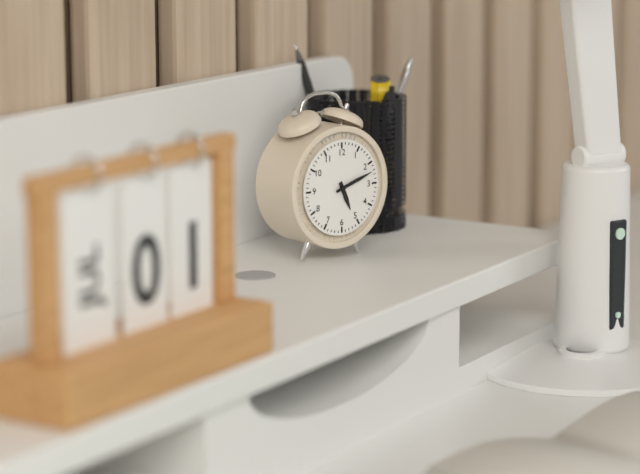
5:12
